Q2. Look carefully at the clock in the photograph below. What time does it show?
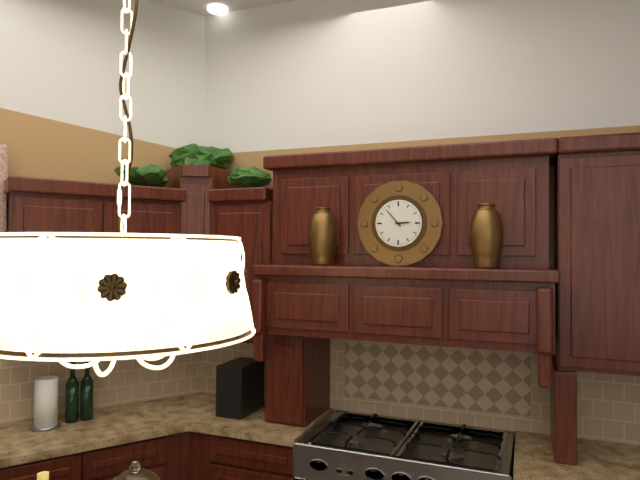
2:53
